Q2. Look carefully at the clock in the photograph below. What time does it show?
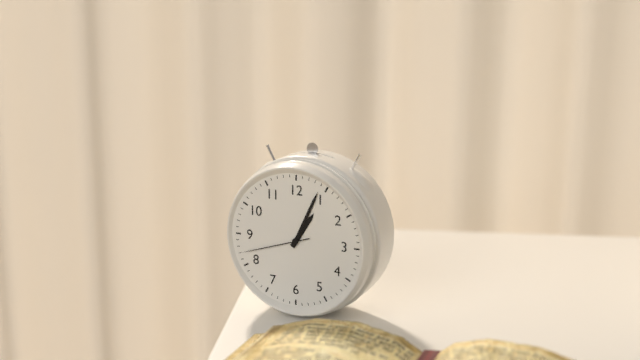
1:04:42
